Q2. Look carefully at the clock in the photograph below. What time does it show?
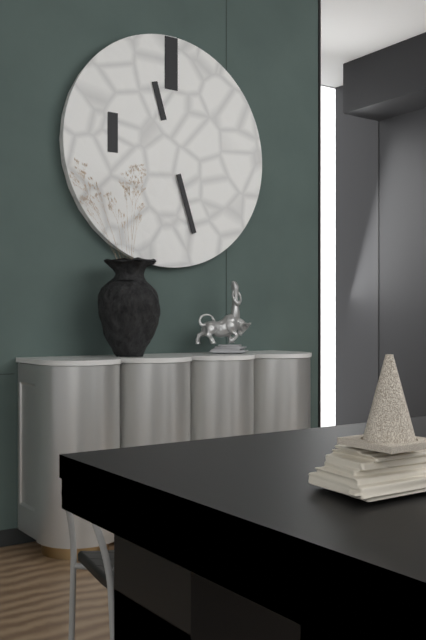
11:27
